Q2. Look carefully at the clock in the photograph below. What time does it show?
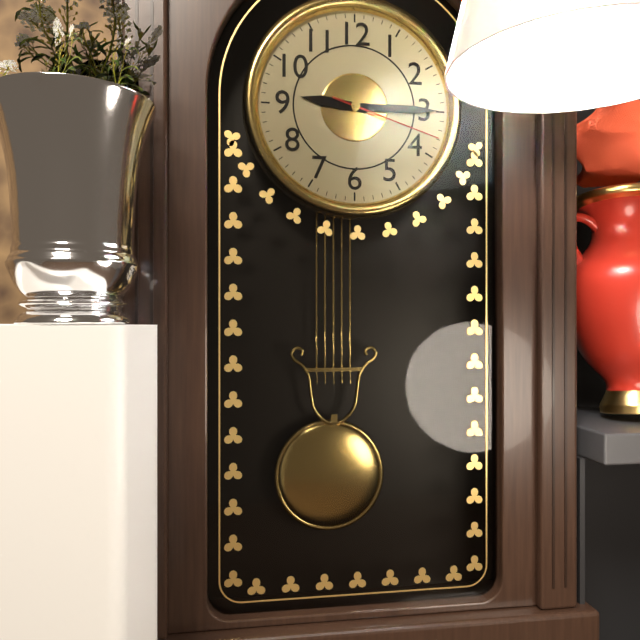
9:15:18
